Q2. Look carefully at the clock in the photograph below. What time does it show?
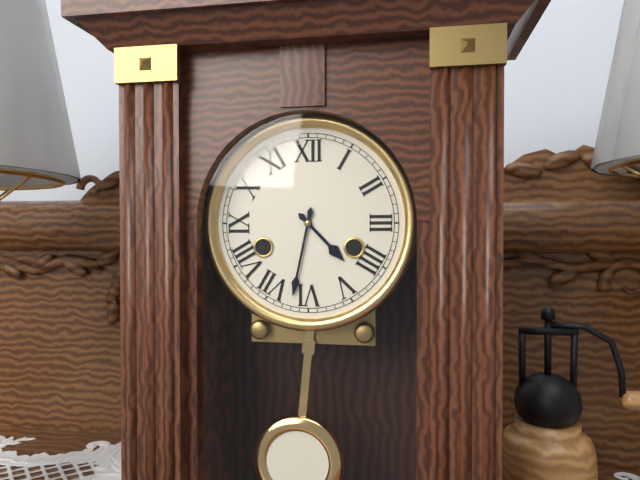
4:32
